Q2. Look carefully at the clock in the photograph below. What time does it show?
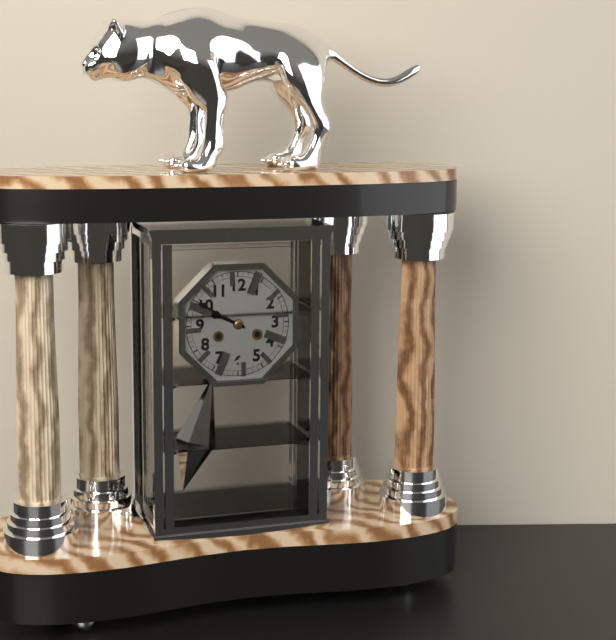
9:50
